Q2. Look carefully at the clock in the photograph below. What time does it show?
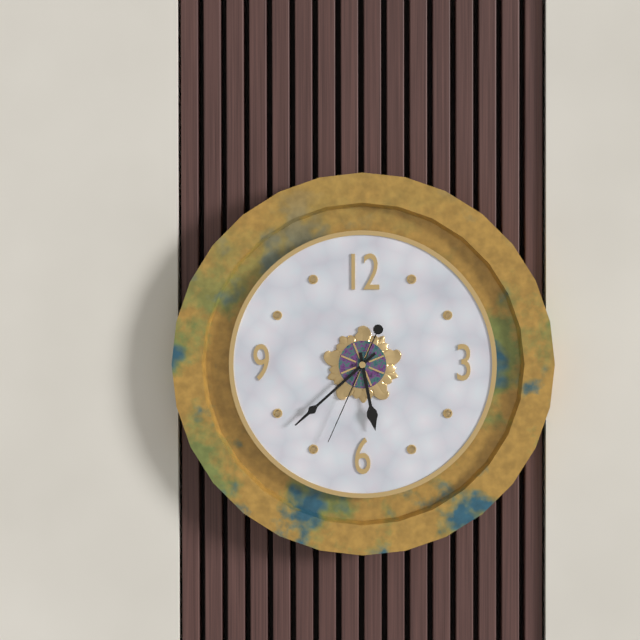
5:38:34
